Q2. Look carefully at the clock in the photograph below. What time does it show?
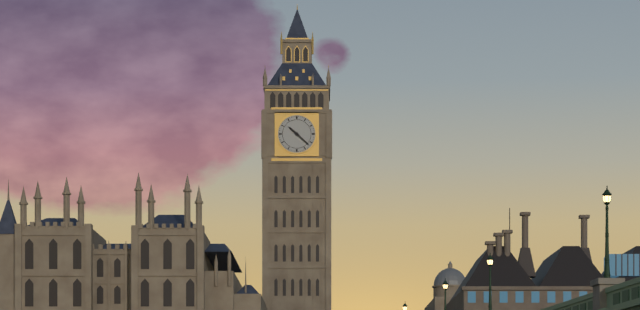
10:22
